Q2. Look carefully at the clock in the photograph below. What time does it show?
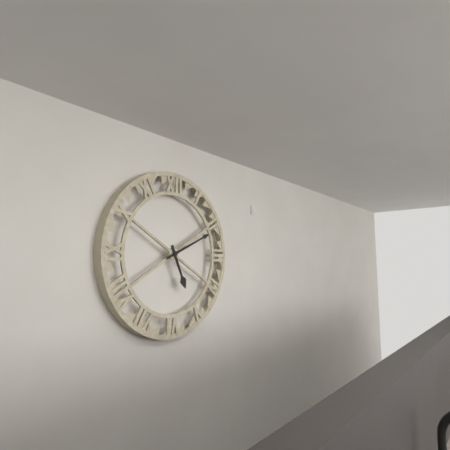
5:11
